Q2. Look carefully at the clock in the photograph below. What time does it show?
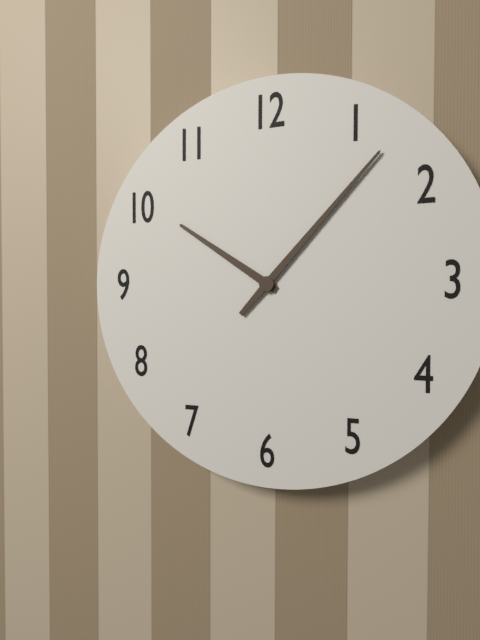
10:07
